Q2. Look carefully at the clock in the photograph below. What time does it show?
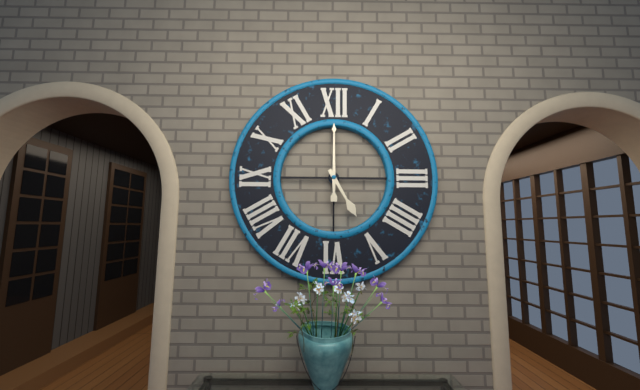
5:00
